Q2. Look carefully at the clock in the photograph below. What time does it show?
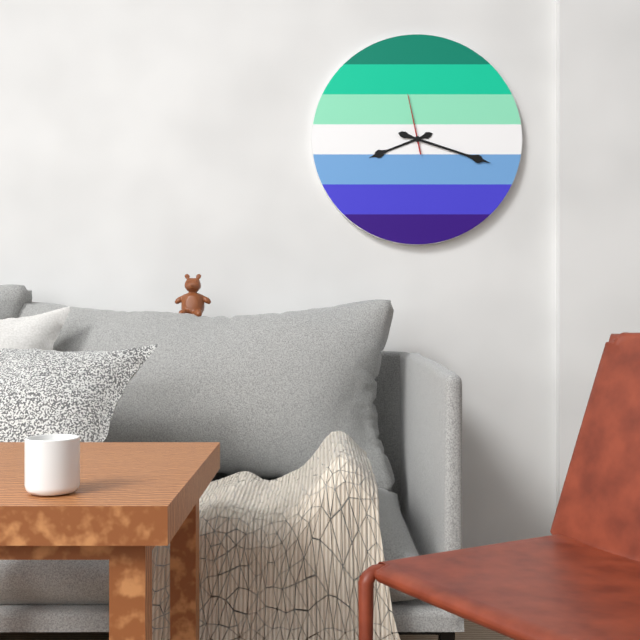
8:18:58
